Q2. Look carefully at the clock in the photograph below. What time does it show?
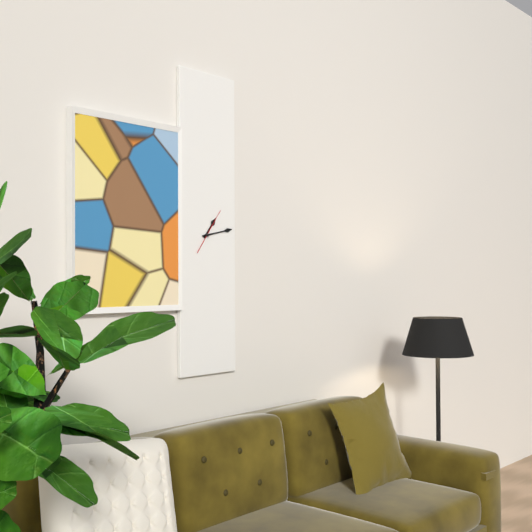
1:13
